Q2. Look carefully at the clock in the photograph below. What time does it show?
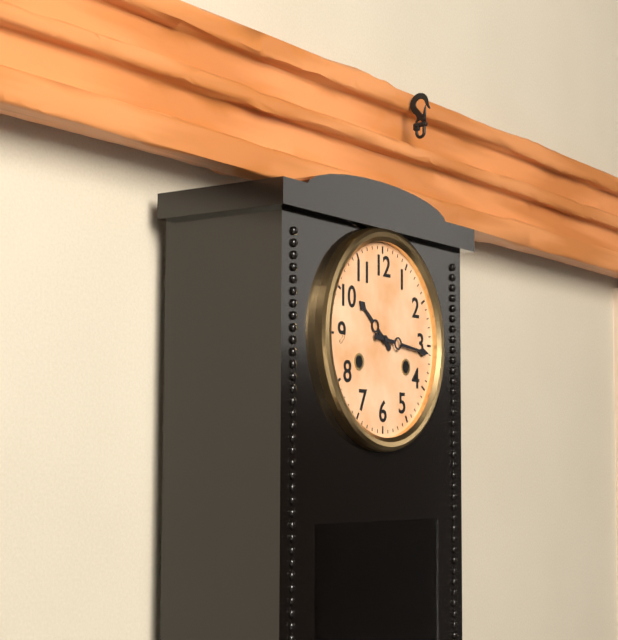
10:16
